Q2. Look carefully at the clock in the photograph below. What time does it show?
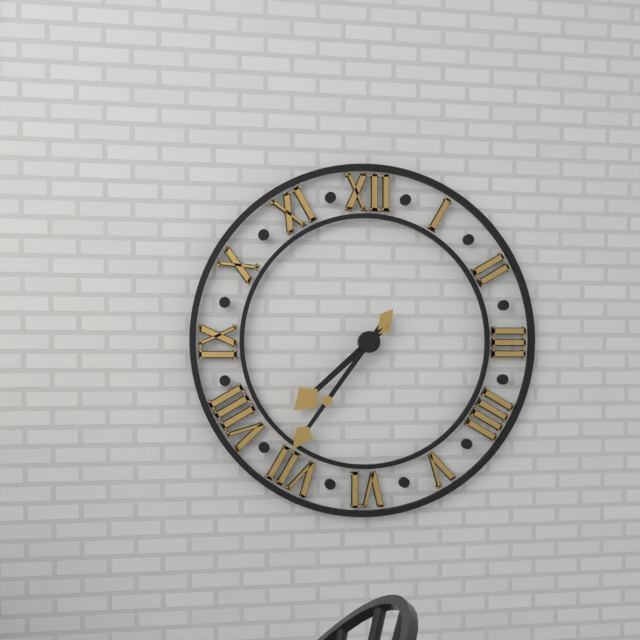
7:36
